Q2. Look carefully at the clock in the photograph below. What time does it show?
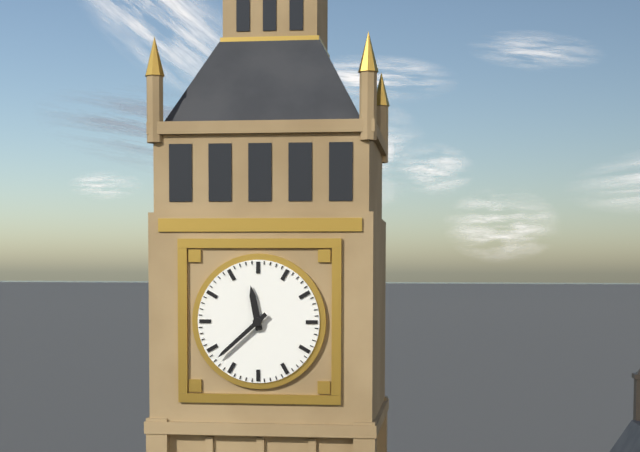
11:38
